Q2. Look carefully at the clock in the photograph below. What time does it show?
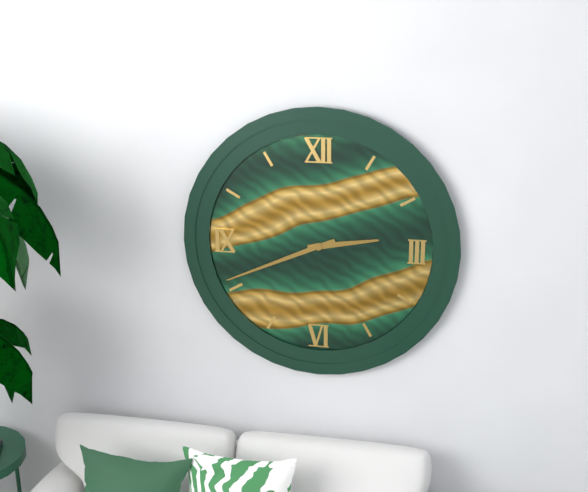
2:41
